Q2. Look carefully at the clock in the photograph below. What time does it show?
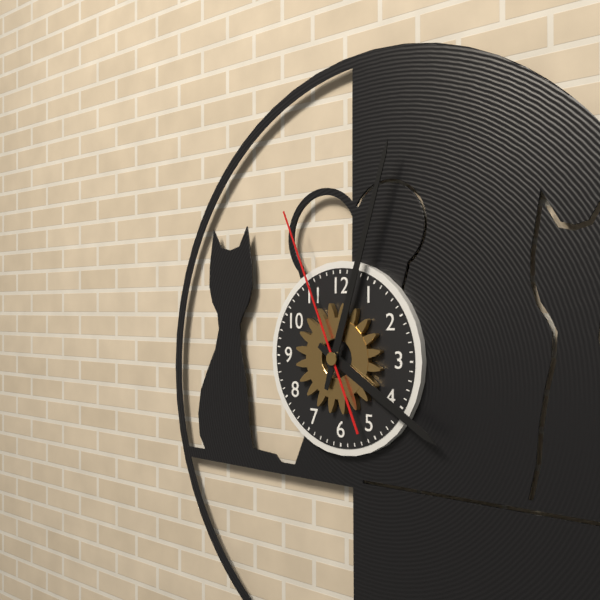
4:03:56
